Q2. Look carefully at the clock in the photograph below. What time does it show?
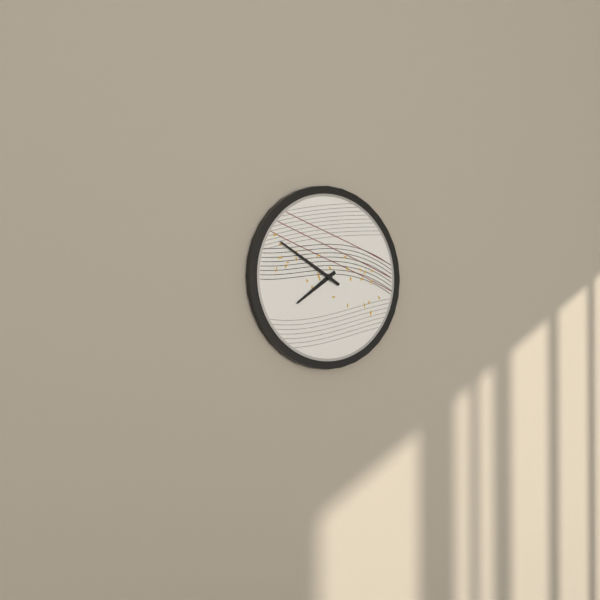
7:50
